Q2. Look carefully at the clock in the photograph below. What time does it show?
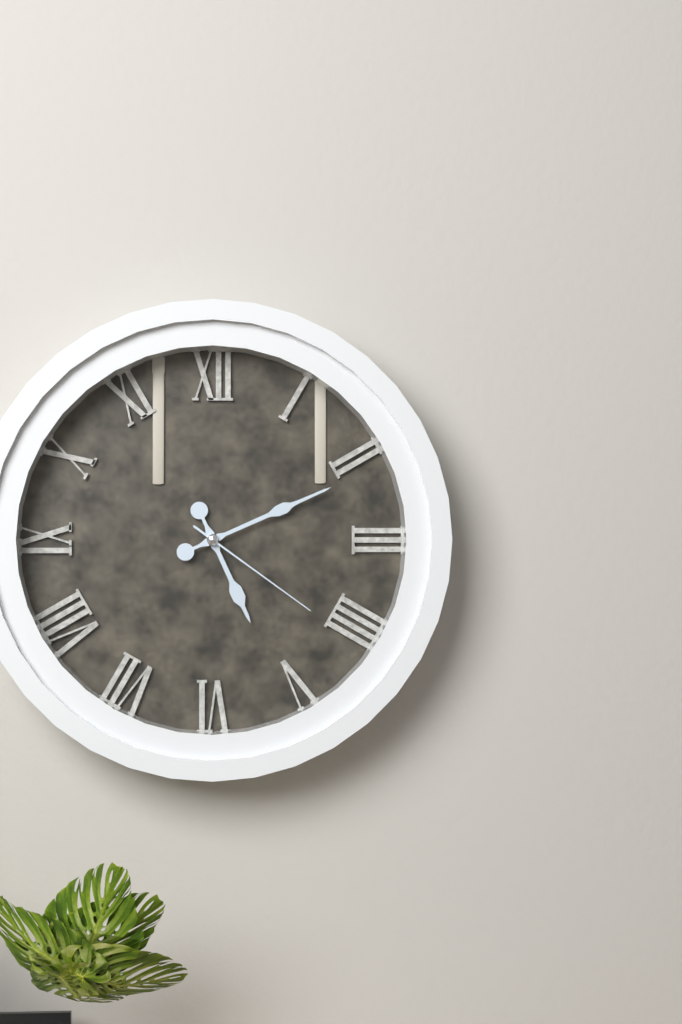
5:11:21
